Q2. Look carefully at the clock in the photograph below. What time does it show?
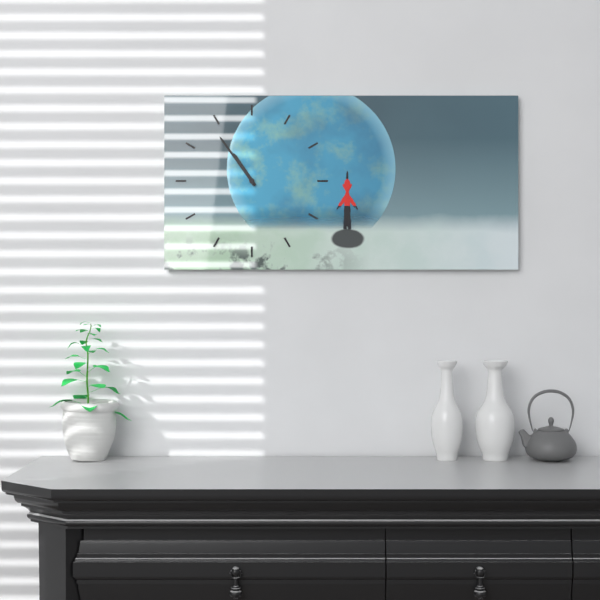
10:54
